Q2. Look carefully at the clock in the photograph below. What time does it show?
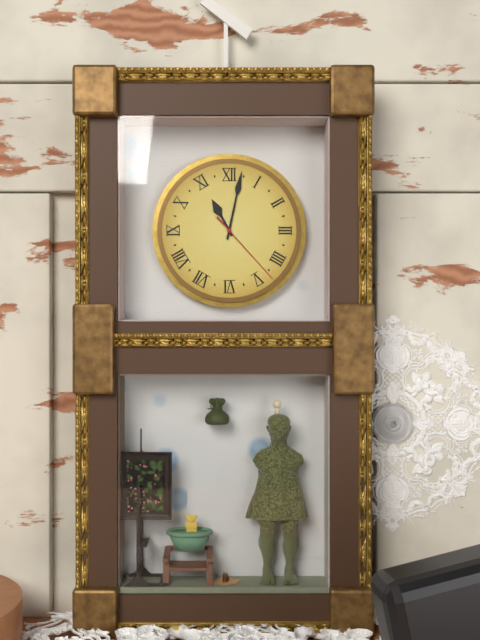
11:02:23
